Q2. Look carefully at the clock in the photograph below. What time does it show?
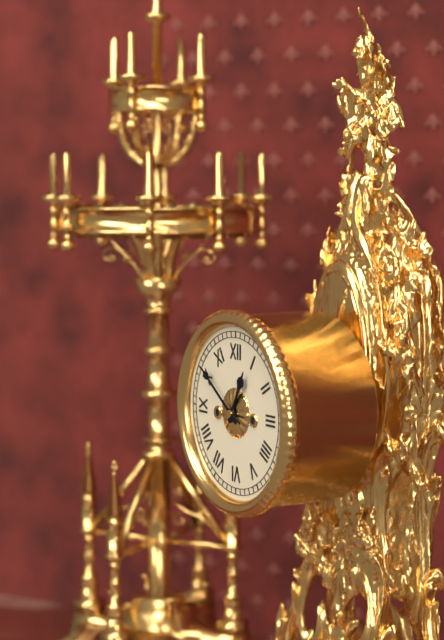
12:51
